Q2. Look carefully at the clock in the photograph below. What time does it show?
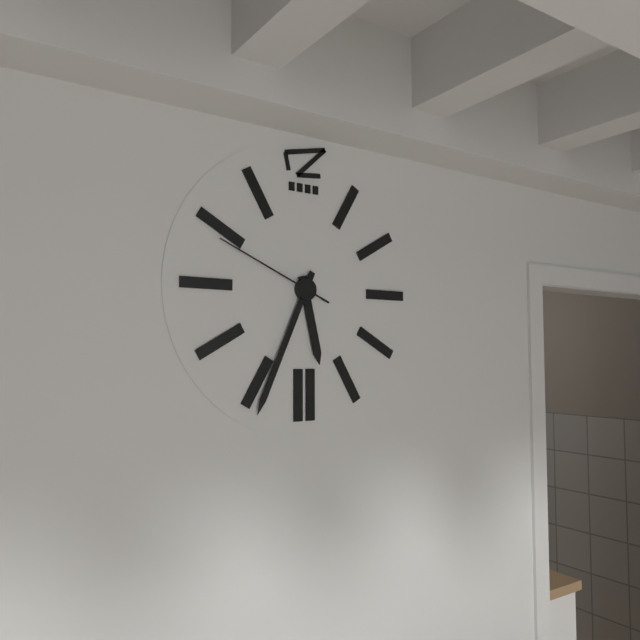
5:34:49
